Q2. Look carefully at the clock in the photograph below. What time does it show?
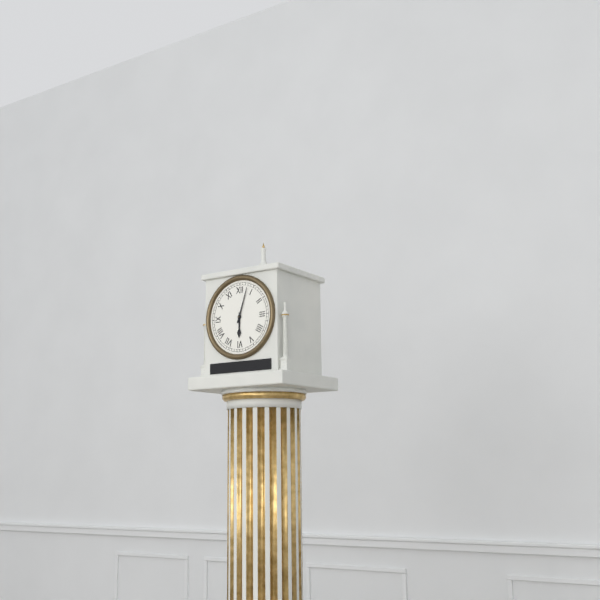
6:03
